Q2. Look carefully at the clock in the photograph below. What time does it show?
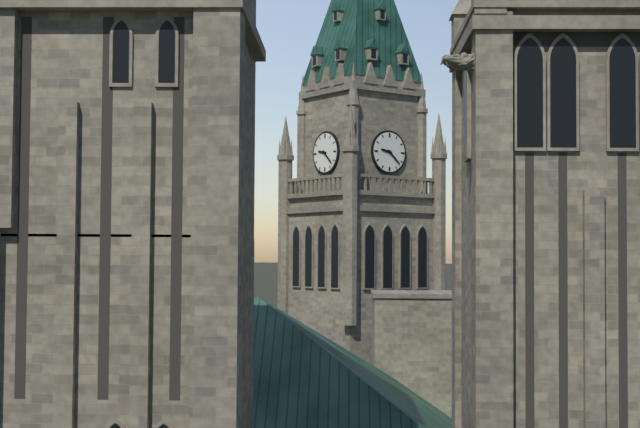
9:22
